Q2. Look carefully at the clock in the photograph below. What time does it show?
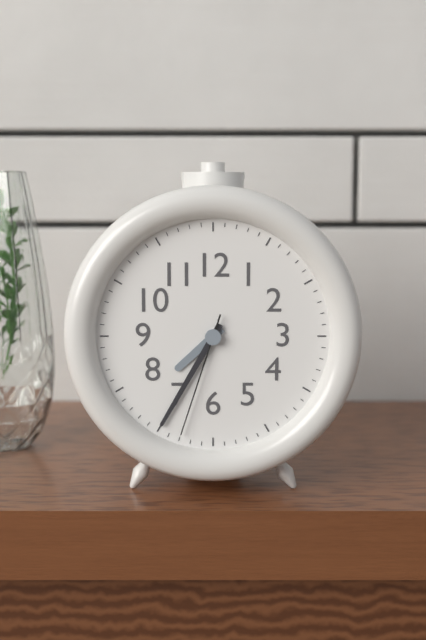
7:35:33
